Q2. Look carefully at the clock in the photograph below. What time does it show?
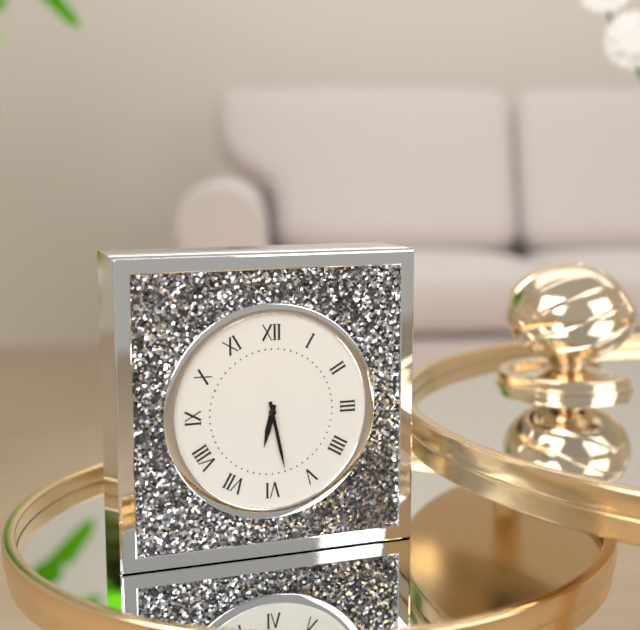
6:28
